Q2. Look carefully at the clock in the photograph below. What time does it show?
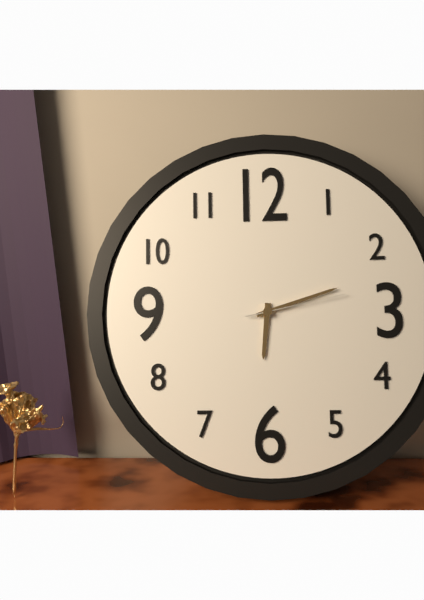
6:12:13
